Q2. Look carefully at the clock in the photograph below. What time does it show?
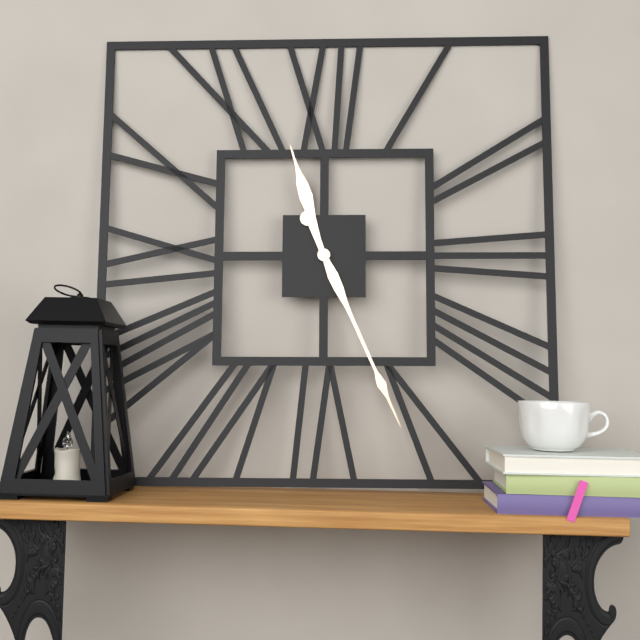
11:26
